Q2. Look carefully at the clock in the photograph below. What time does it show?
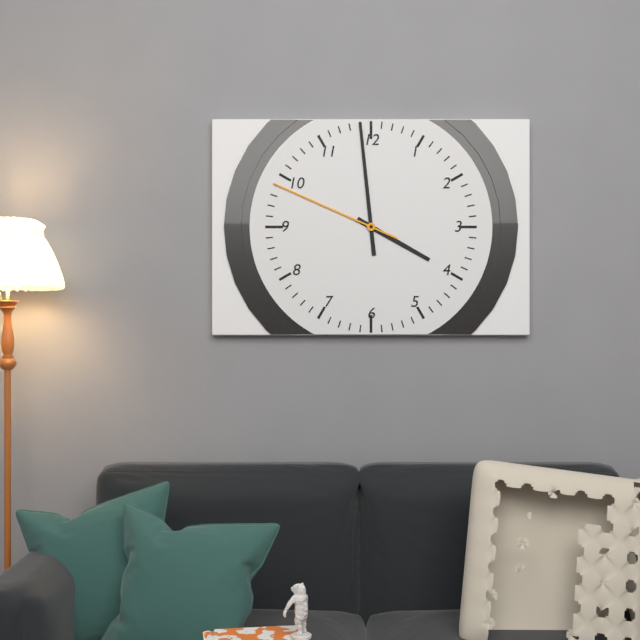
3:59:49
